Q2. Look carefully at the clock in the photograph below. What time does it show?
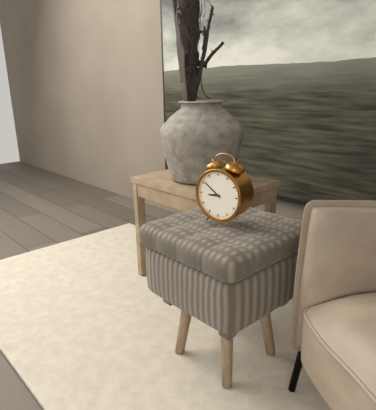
8:51
